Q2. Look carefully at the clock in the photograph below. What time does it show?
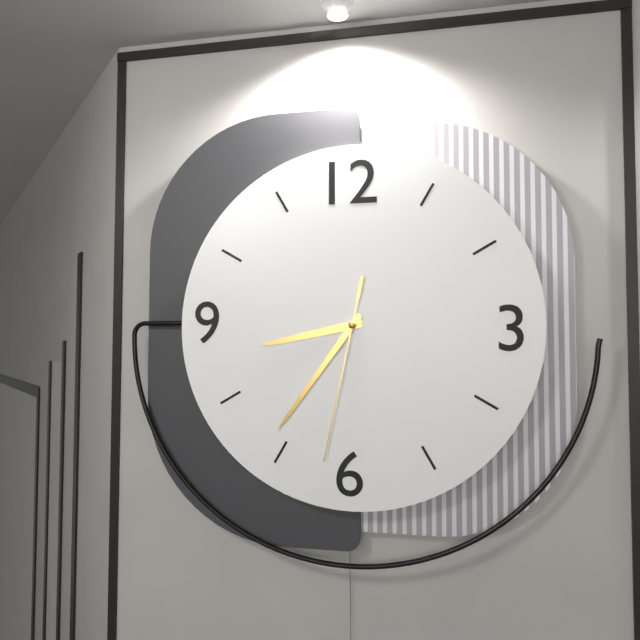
8:36:32
